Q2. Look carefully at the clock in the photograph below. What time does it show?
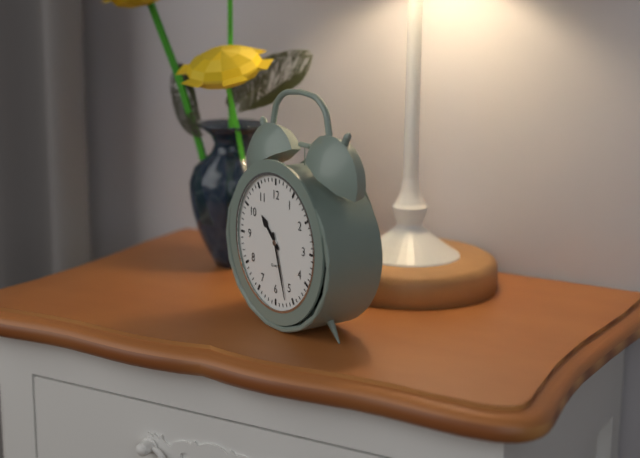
10:27
